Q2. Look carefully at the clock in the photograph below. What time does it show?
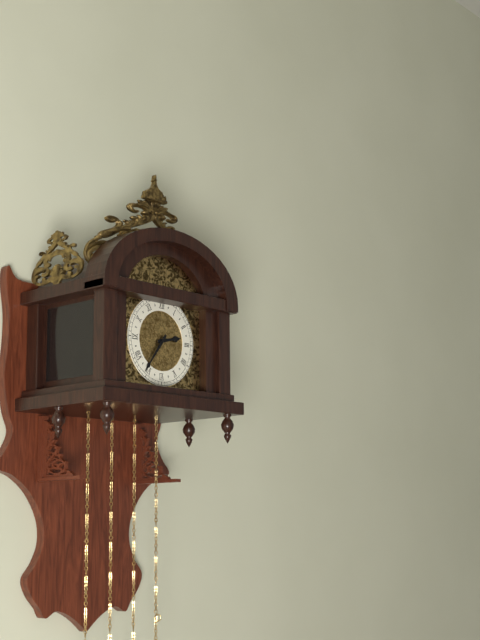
2:36
